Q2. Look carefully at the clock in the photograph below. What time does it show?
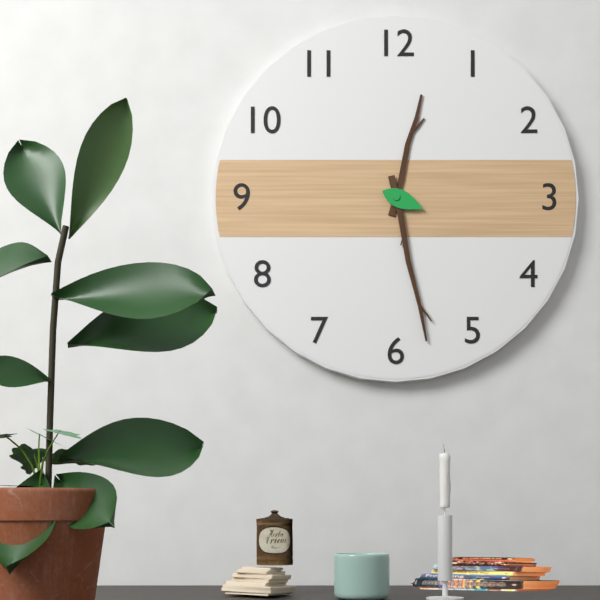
12:28
